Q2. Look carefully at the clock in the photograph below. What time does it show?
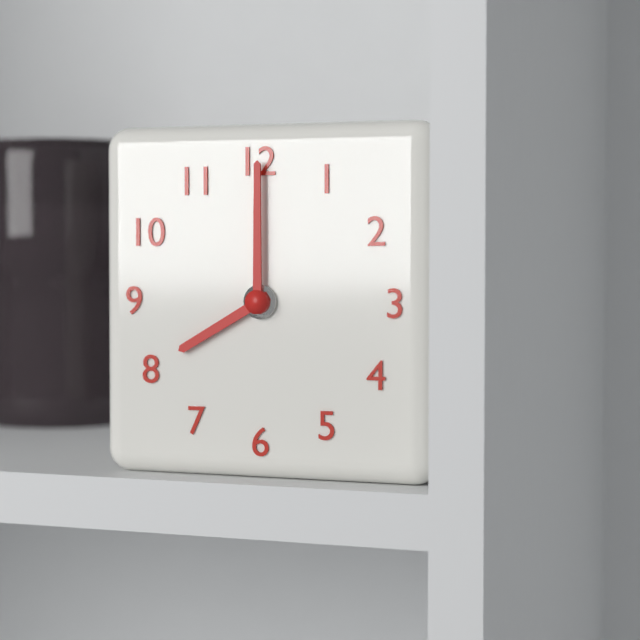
8:00
